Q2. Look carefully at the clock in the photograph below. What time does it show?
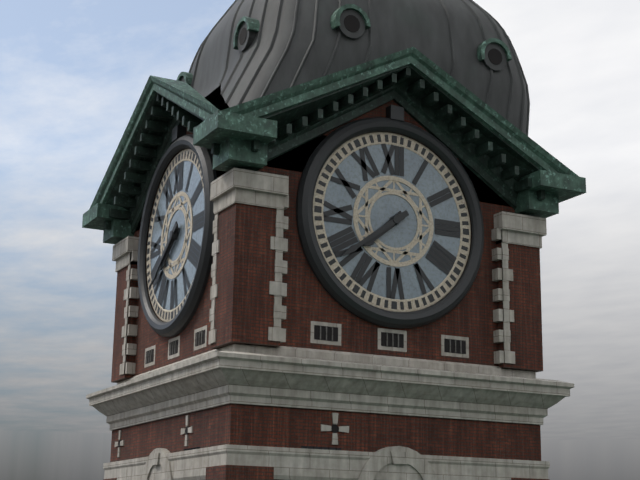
7:39
